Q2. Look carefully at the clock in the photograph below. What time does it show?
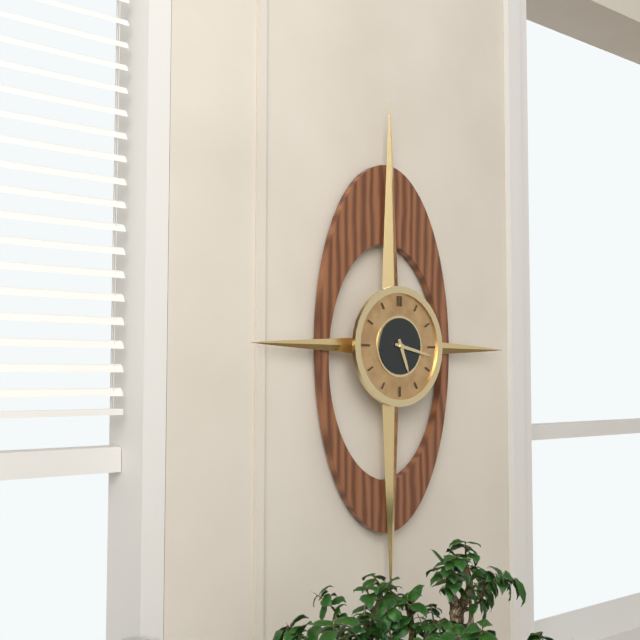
5:17
